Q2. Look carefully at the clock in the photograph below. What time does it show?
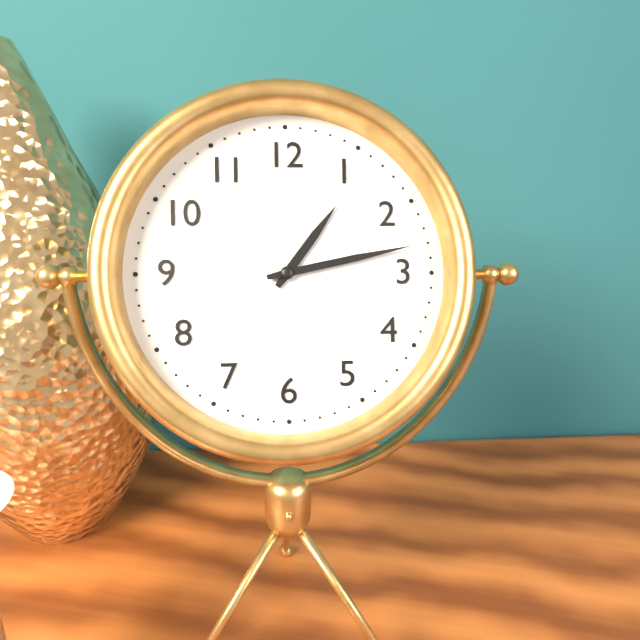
1:13
